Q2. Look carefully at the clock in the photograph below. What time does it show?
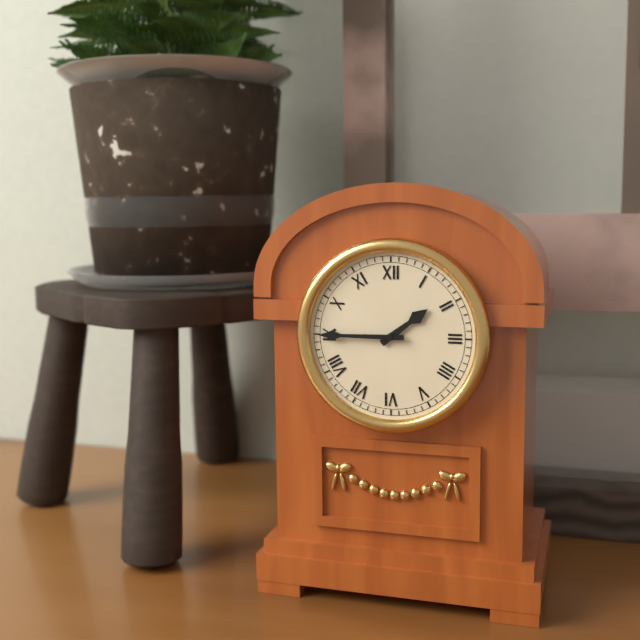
1:45
